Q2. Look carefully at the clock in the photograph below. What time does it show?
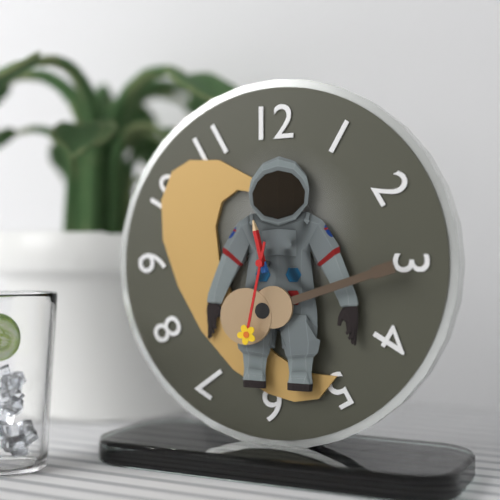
11:32
